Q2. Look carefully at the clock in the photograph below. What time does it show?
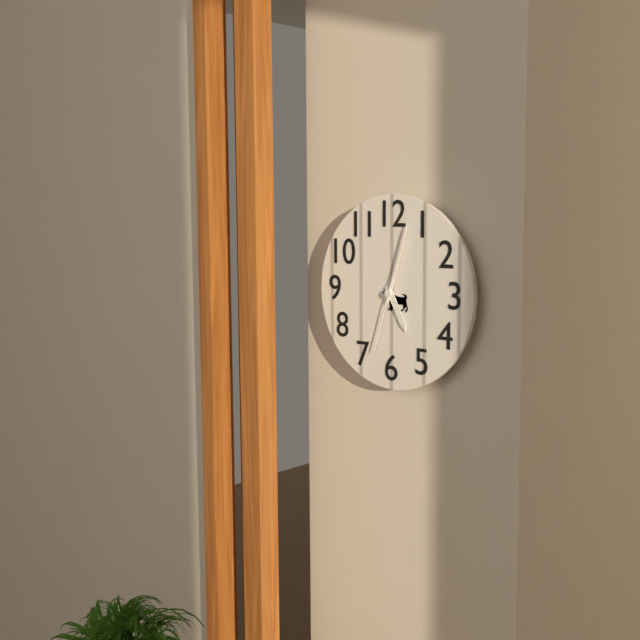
5:03:33
